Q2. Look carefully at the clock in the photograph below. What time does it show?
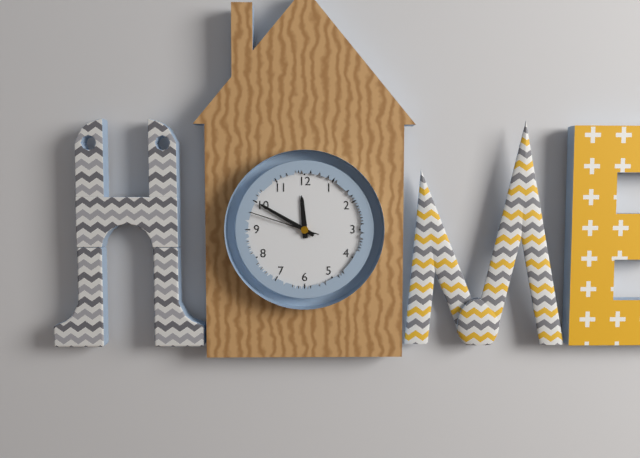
11:50:48
